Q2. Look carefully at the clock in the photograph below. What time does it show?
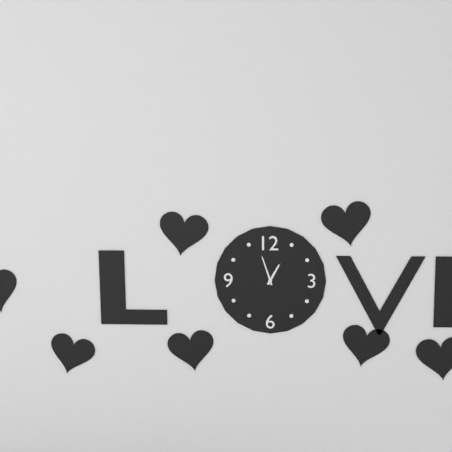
12:57
